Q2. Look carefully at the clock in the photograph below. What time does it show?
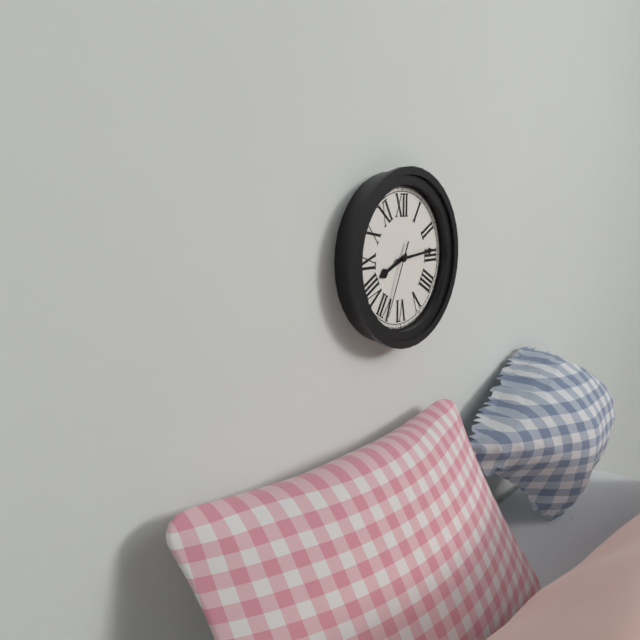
8:14:34
